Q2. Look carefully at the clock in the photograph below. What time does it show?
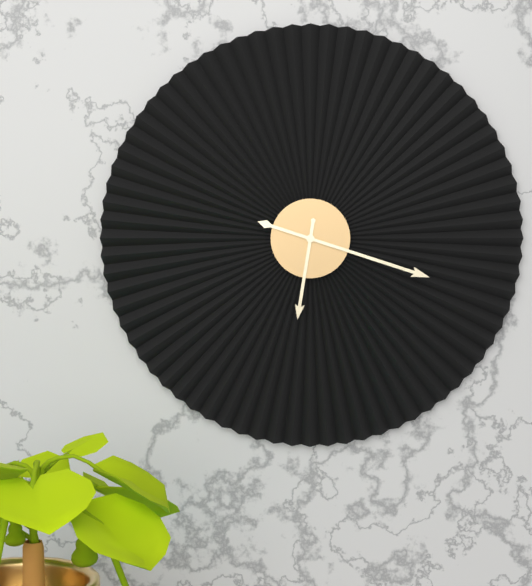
6:18
